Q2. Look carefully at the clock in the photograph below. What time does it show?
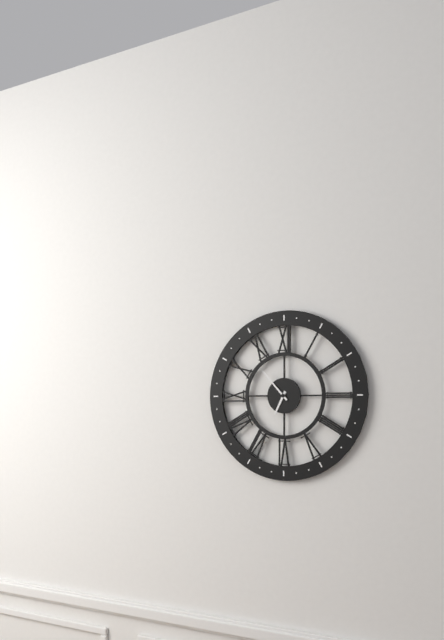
6:53
